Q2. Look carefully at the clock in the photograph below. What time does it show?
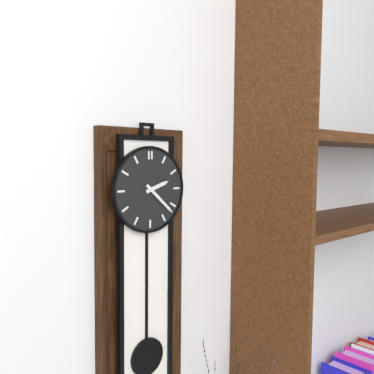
2:22
